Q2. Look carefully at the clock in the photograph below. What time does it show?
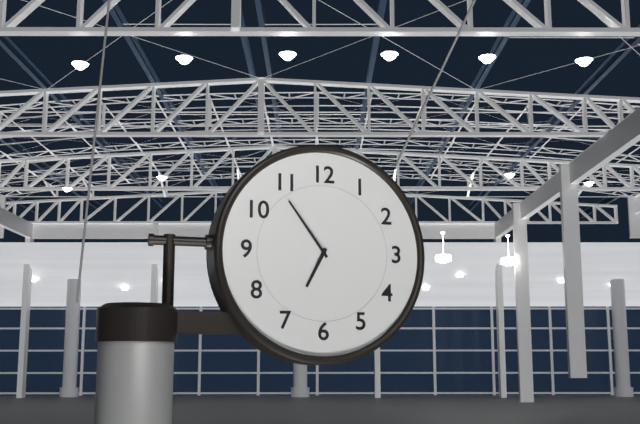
6:54
